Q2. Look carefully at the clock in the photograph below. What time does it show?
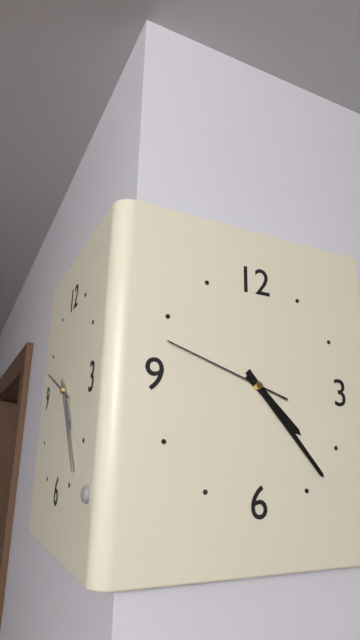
4:23:48
